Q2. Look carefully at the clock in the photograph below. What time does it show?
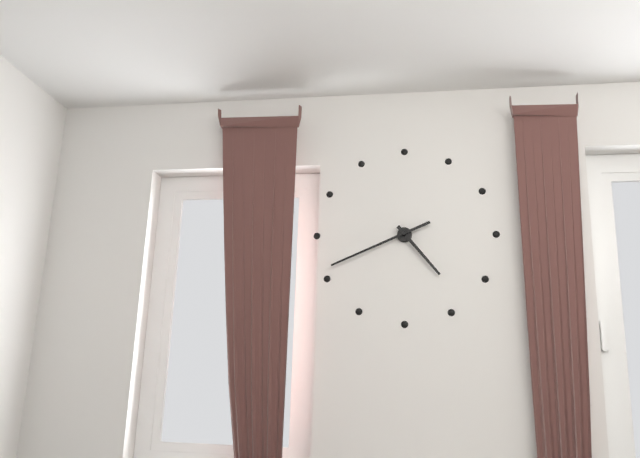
4:41
